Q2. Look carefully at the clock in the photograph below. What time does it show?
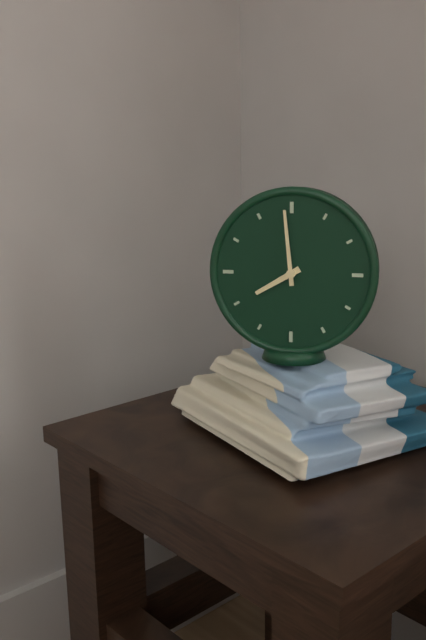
7:59
